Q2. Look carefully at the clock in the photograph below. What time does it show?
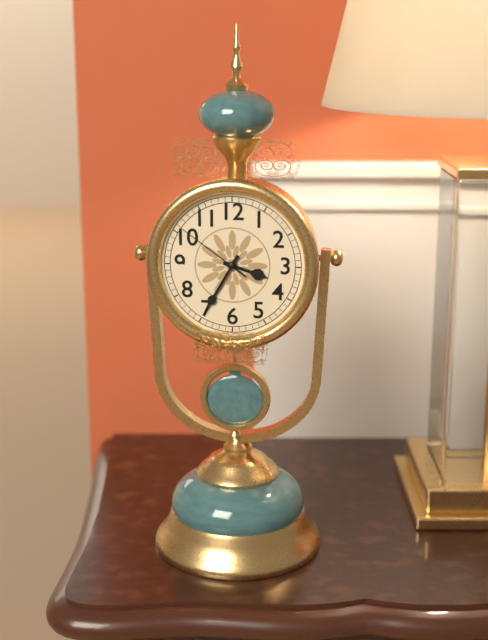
3:35:51
